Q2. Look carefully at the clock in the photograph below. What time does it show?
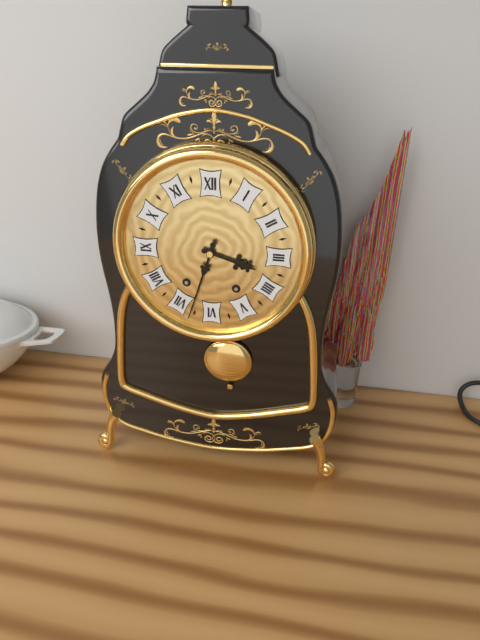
3:33
